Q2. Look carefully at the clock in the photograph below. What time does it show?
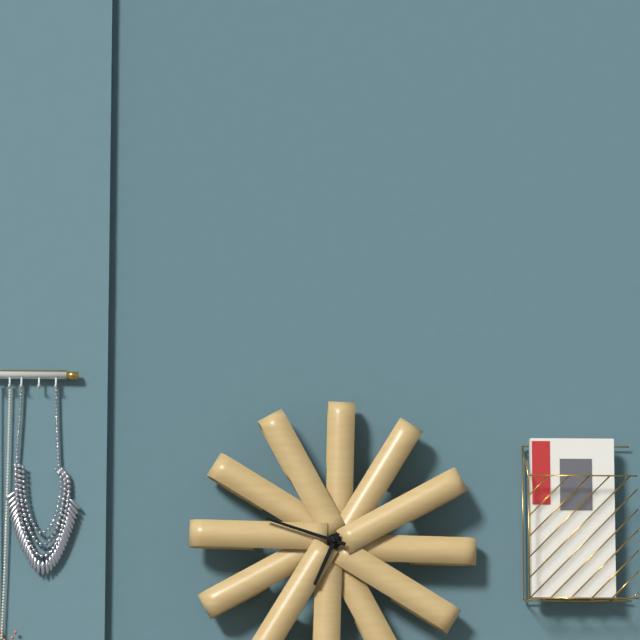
6:48
